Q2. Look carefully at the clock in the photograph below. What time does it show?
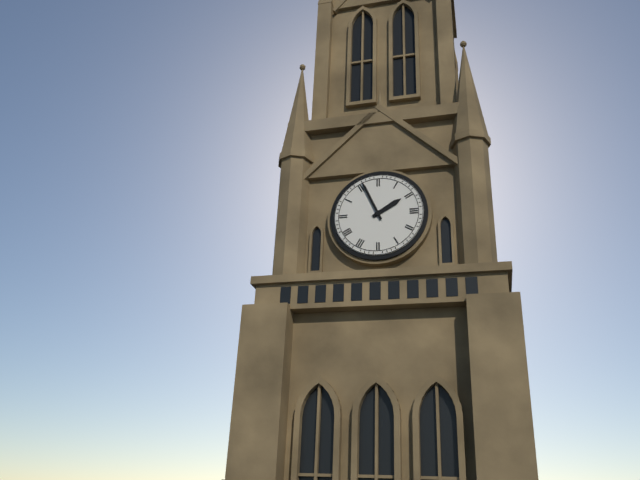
1:56
